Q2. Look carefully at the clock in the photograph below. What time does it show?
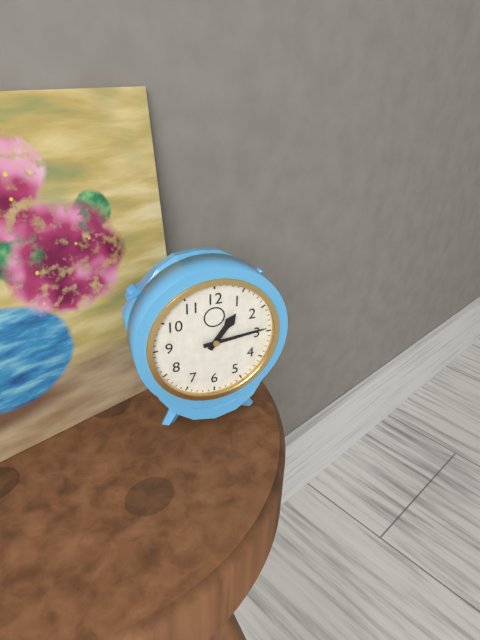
1:14
